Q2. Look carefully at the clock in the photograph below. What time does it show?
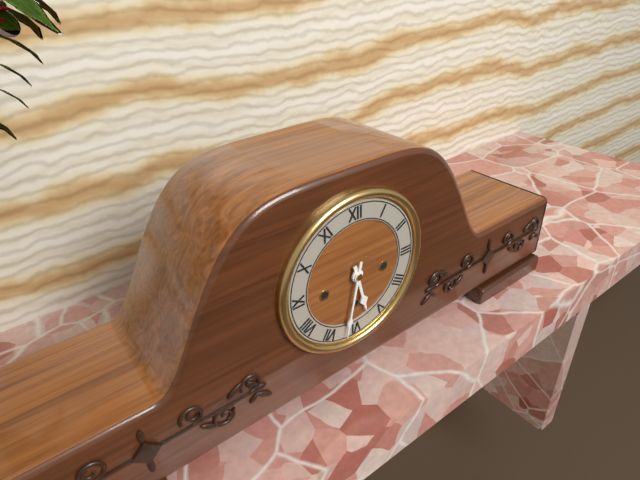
5:32
